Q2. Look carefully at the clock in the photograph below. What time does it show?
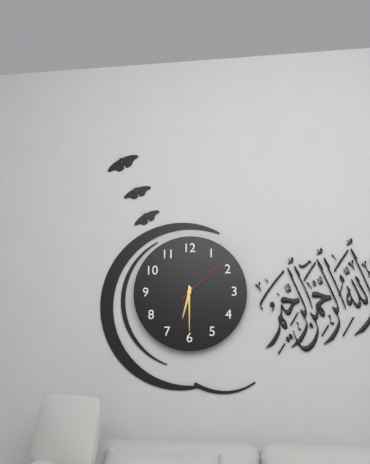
6:30:08
